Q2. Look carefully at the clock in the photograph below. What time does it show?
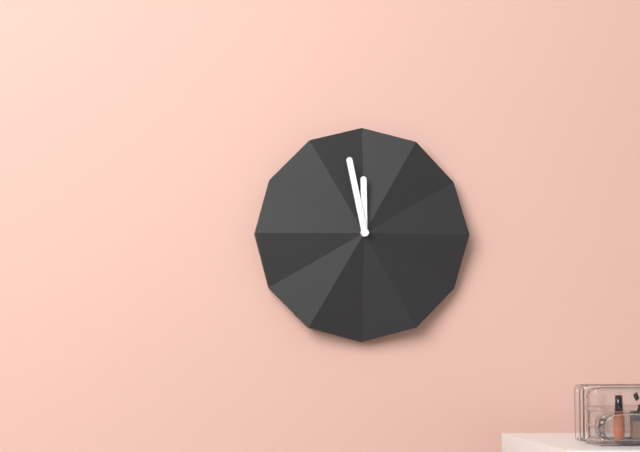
11:58
